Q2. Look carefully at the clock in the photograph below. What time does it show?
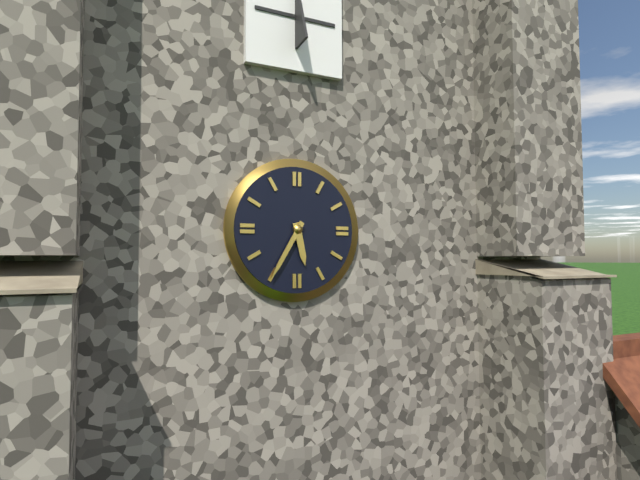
5:35
